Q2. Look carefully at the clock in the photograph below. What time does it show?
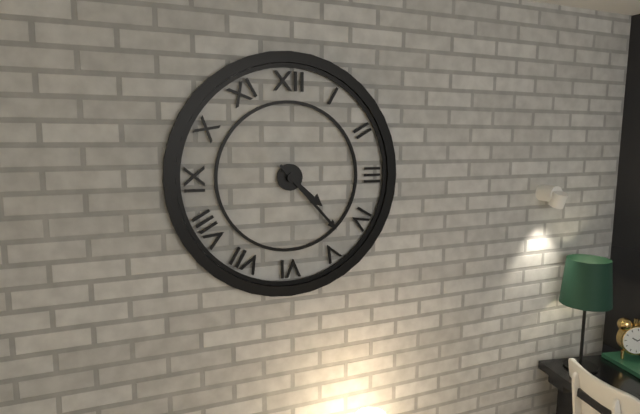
4:23
